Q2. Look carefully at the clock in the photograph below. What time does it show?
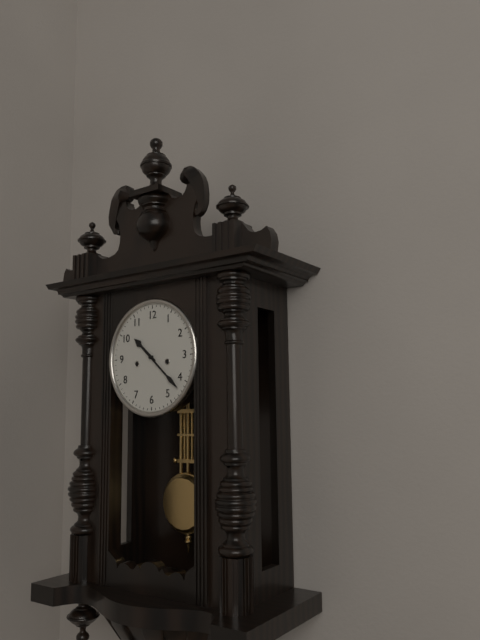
10:22
